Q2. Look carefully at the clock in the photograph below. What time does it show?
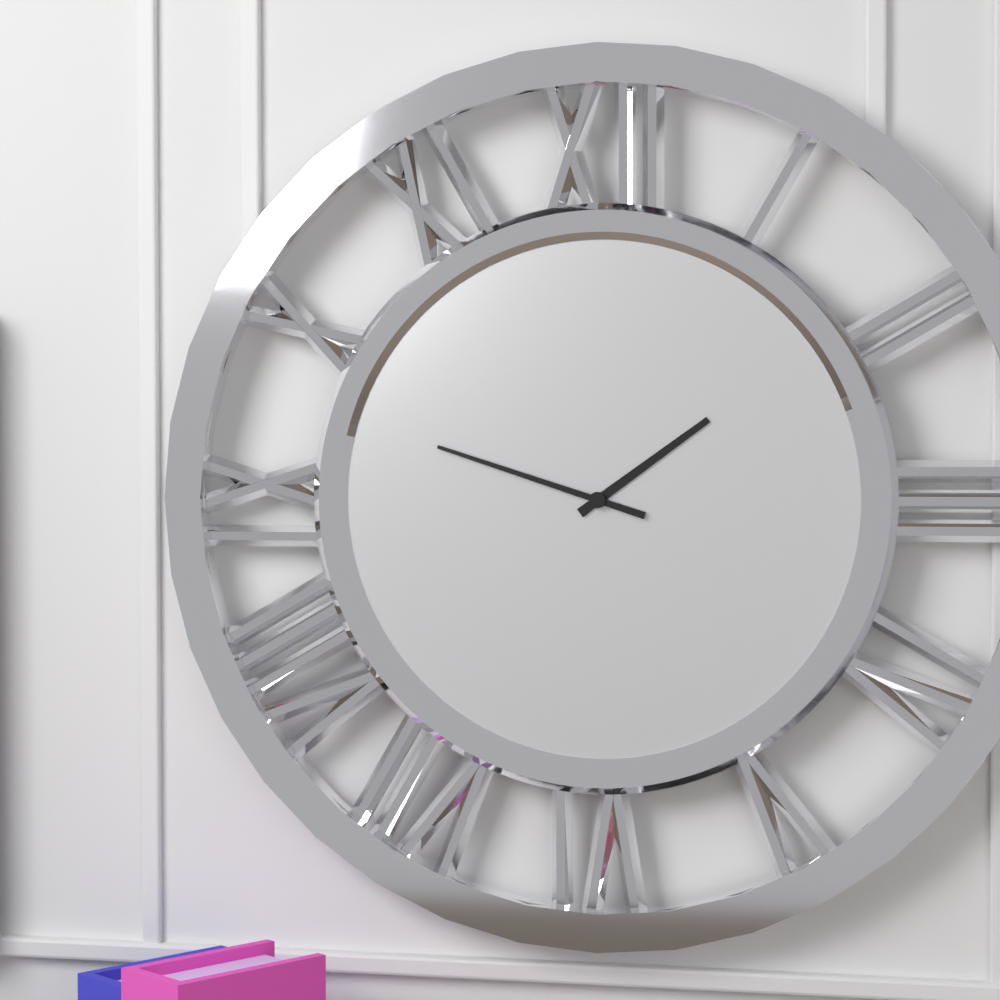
1:48
